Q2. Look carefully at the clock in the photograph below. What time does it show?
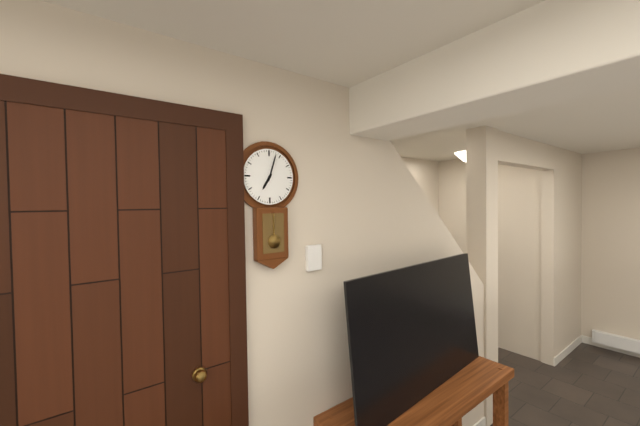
7:03
